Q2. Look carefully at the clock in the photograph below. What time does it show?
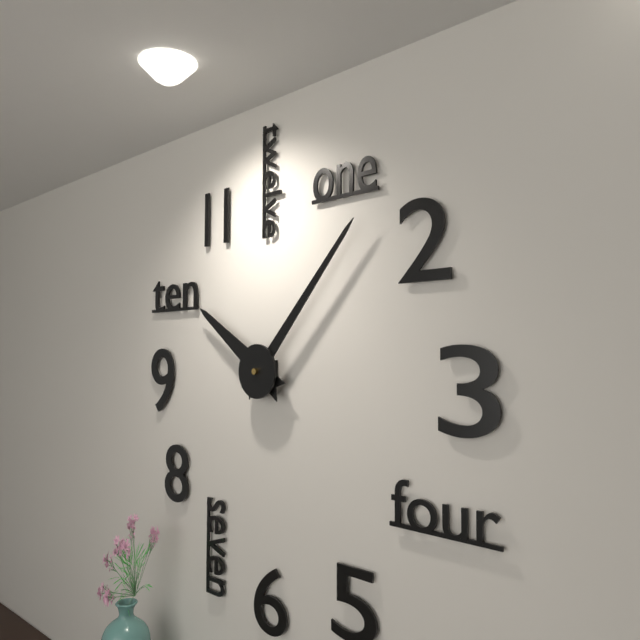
10:07
